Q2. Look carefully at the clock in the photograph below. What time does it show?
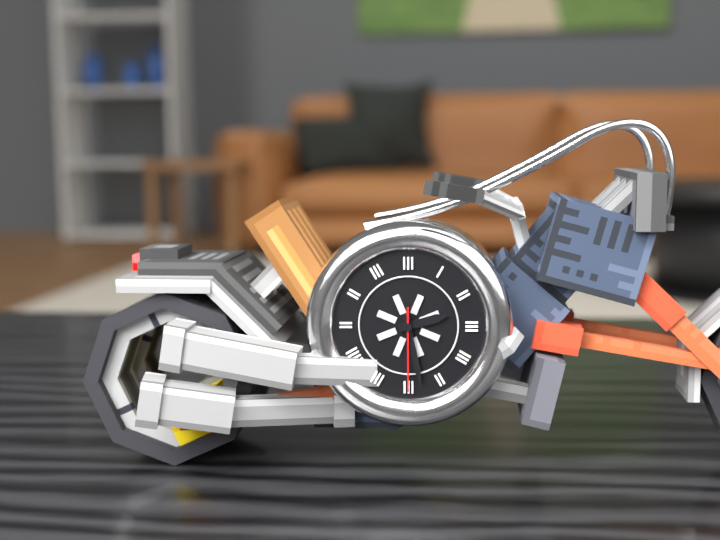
2:28:30
